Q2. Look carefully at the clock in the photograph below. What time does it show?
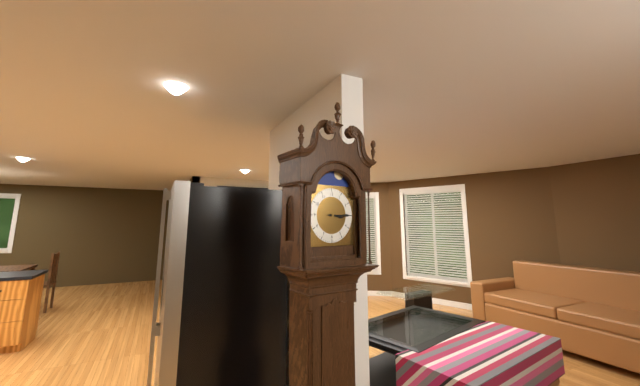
3:15
